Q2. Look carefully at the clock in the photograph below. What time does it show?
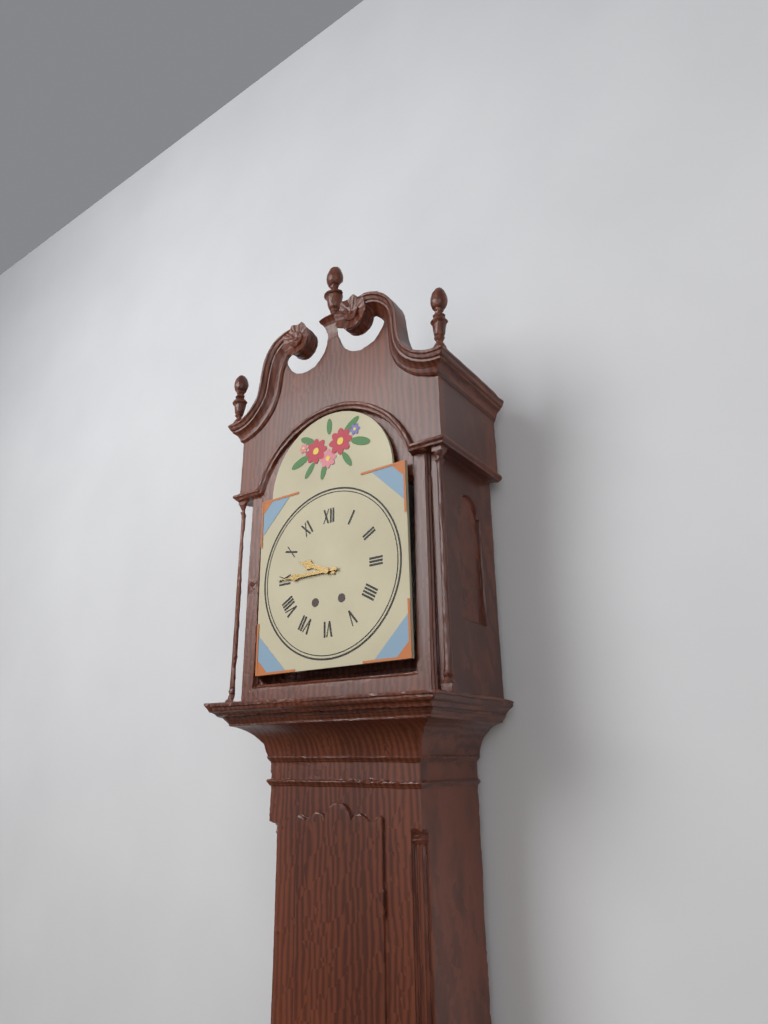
9:45
